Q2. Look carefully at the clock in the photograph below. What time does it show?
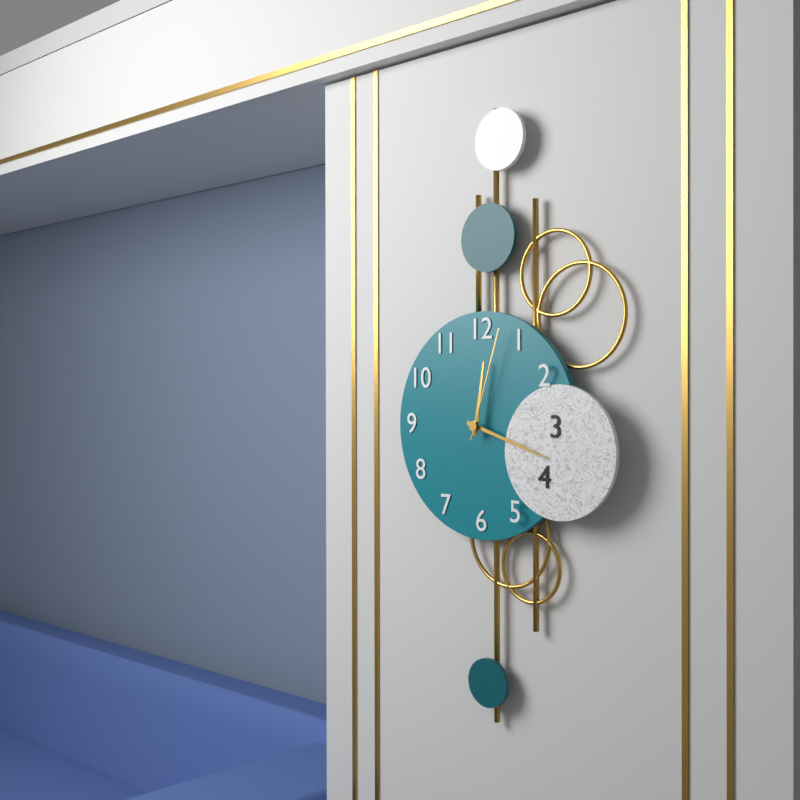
12:18:03
